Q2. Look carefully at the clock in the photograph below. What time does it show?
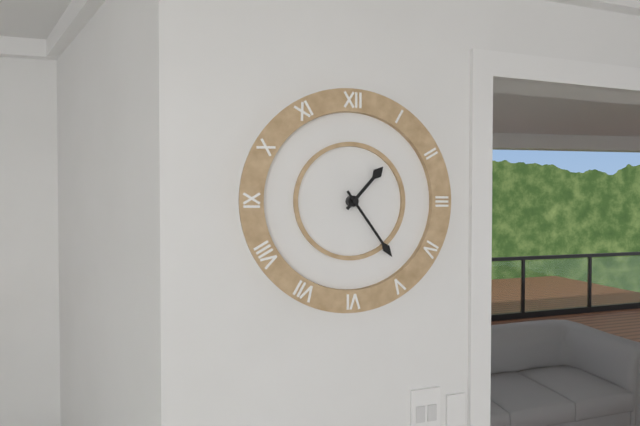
1:24
